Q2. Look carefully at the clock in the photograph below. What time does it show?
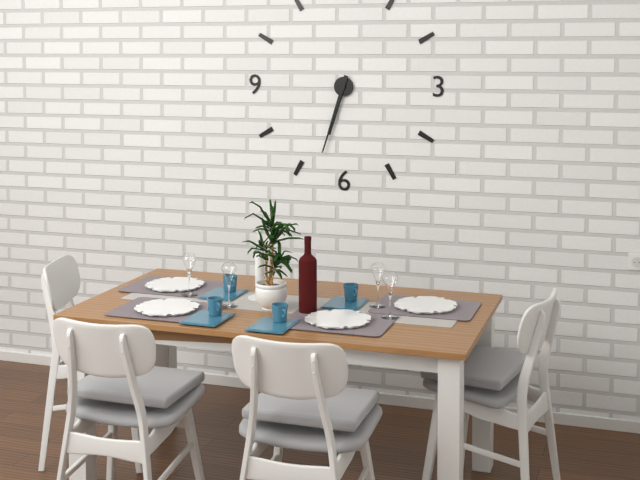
6:33
